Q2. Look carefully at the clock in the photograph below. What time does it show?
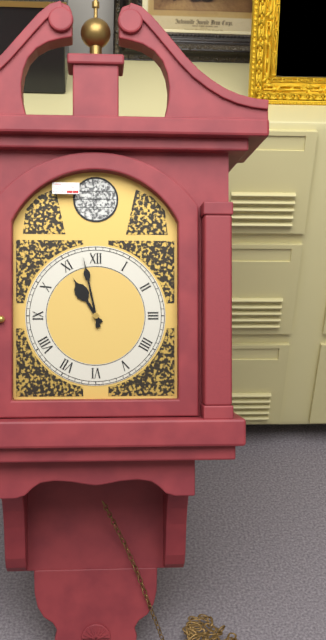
10:58
